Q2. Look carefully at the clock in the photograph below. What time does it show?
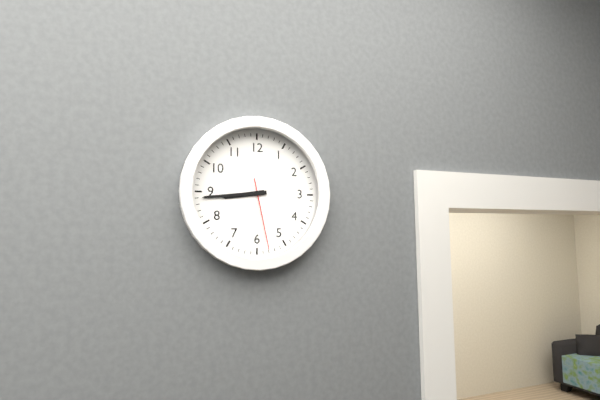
8:44:28
